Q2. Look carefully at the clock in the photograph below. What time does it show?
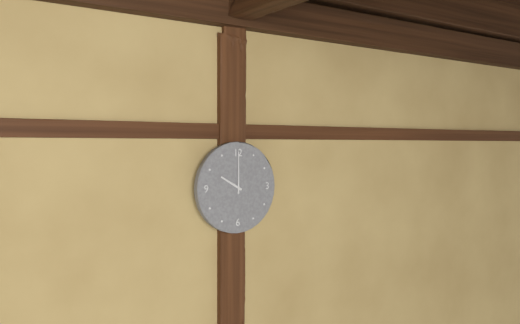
10:00
